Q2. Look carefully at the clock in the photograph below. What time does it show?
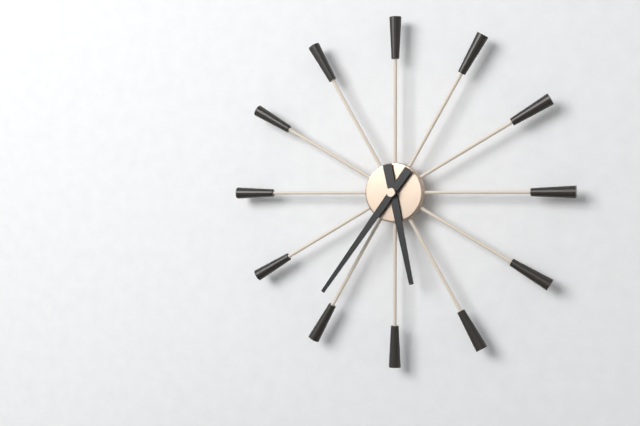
5:36
